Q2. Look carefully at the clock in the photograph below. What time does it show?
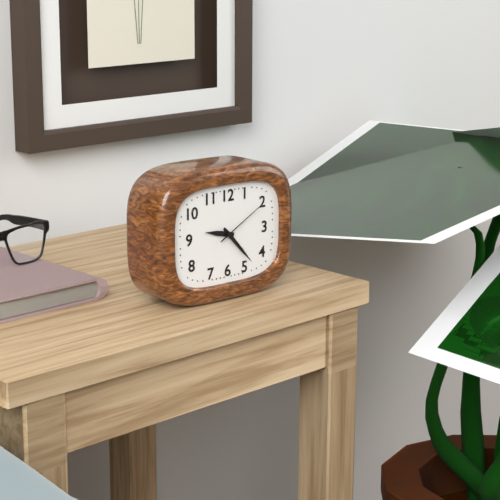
9:23:10
